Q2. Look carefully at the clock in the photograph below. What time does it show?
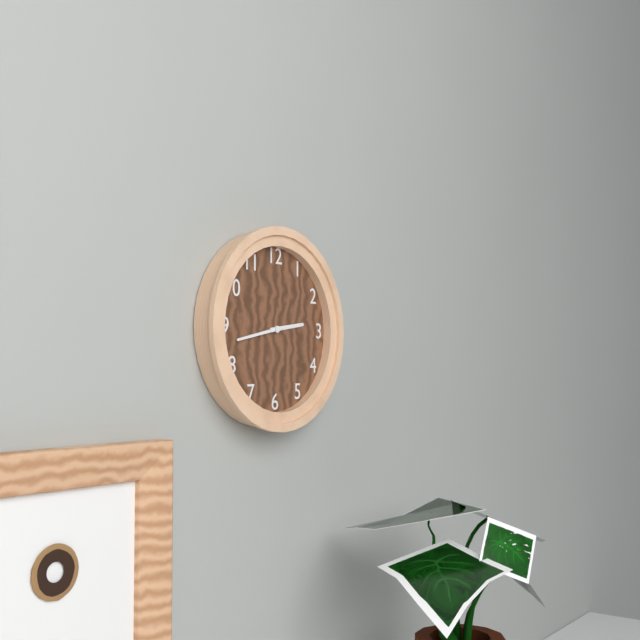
2:43
